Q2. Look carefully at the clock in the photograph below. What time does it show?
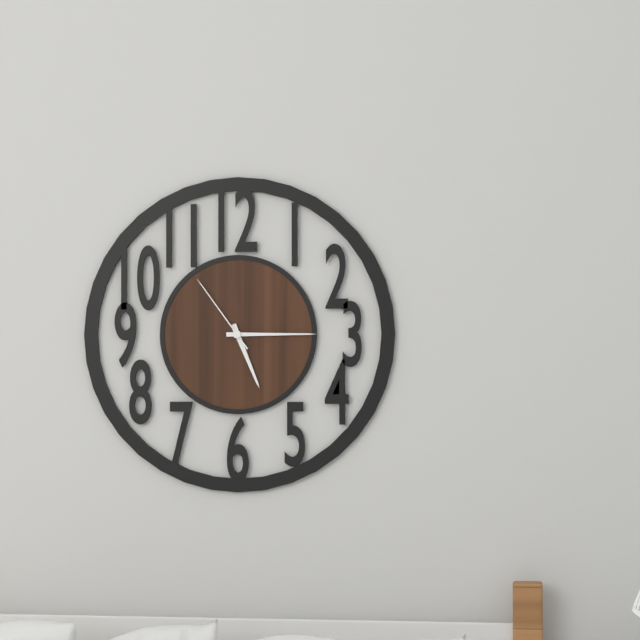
5:15:54
